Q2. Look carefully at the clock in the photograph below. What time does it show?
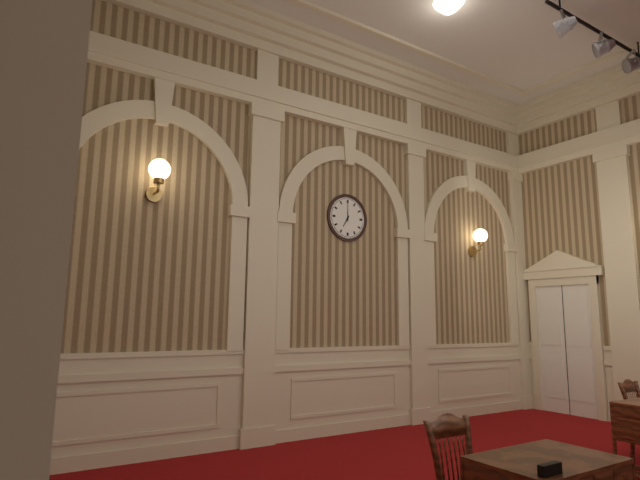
7:00
